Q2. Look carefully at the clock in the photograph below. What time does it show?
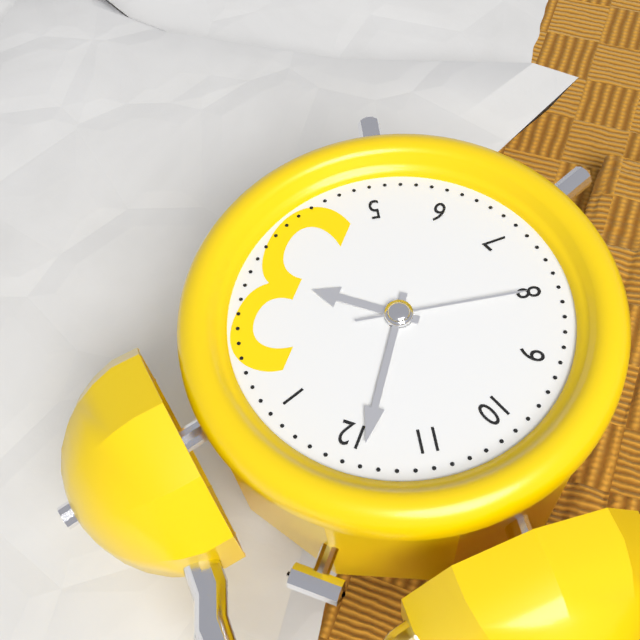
2:59:40
